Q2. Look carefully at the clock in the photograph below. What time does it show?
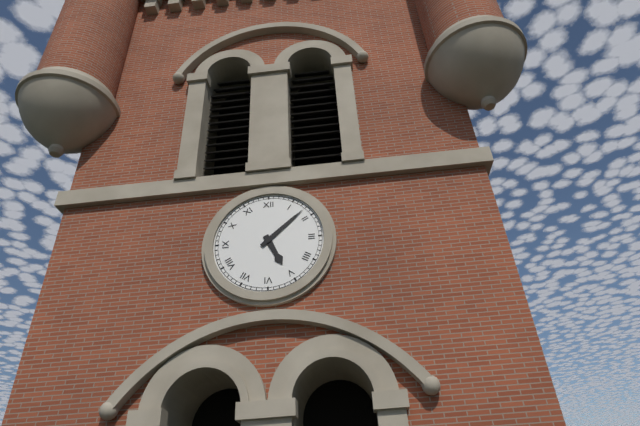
5:08
